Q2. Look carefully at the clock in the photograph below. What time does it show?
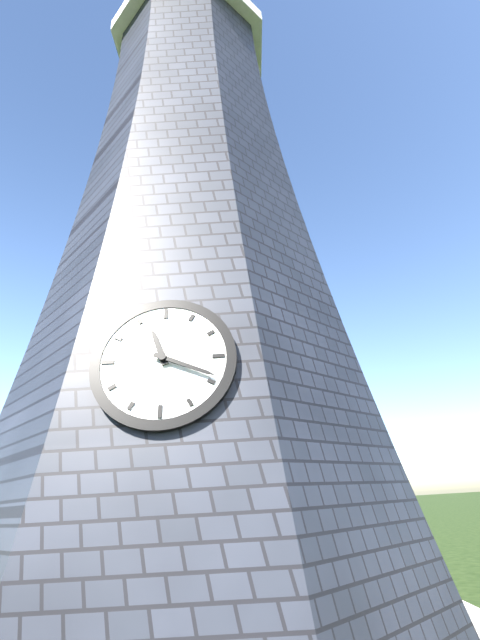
11:19
